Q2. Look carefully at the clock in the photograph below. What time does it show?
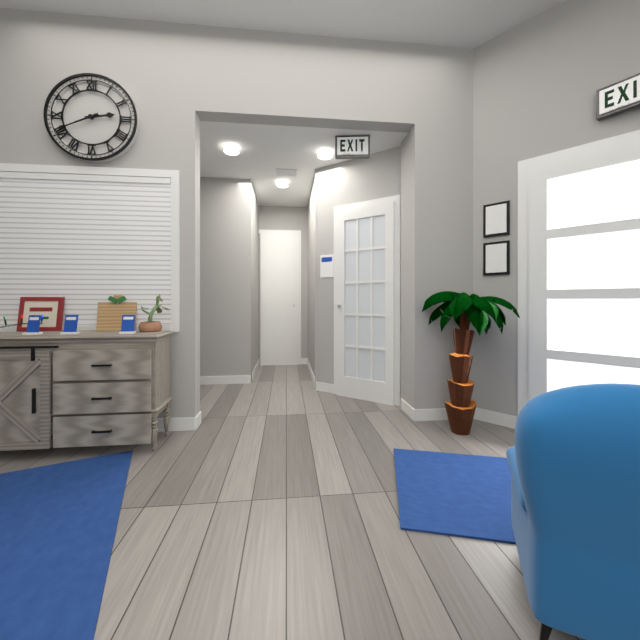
2:41
